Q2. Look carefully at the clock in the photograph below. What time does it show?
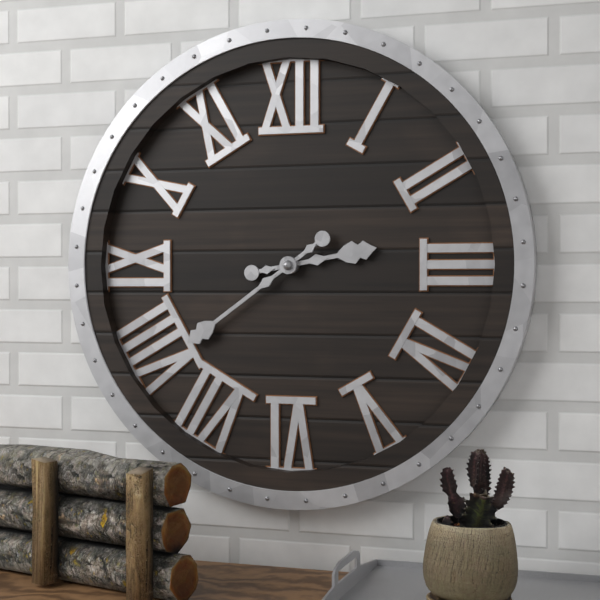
2:39
